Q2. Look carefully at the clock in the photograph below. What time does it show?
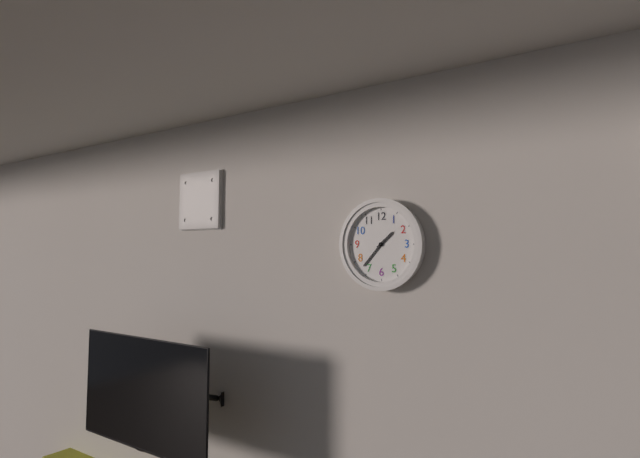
1:37
